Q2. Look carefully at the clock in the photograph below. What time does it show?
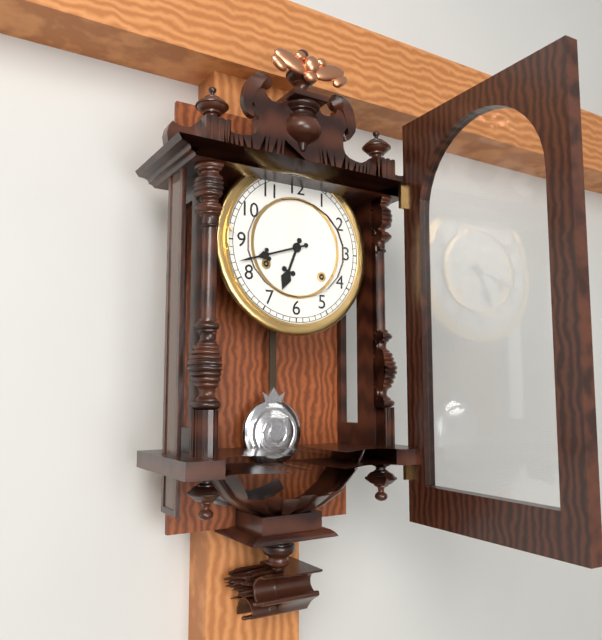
6:42
